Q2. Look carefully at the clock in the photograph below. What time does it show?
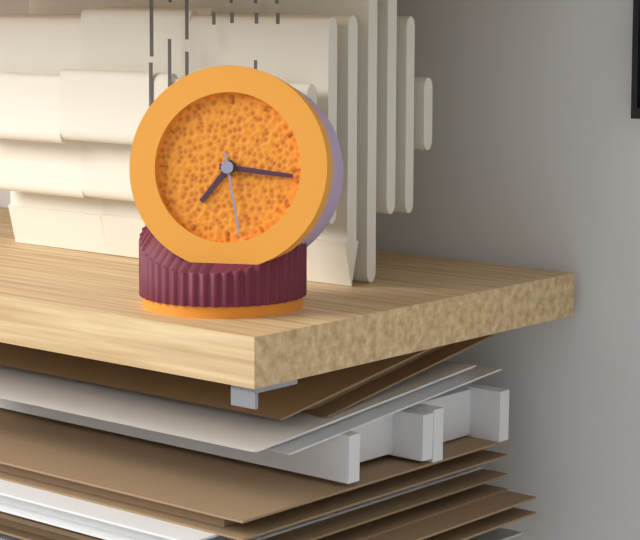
7:16:28
